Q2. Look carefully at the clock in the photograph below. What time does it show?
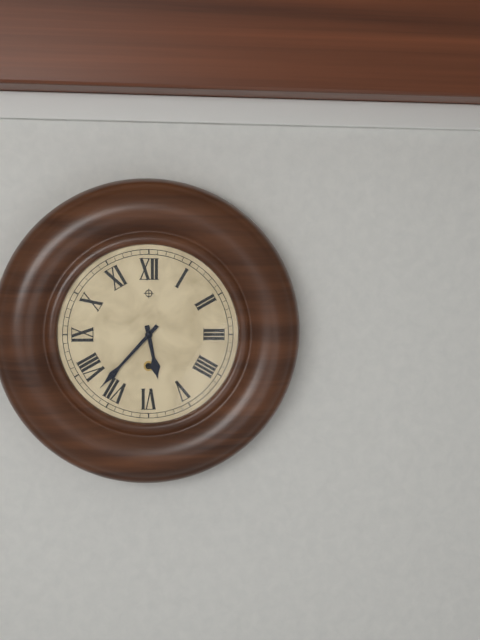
5:37
